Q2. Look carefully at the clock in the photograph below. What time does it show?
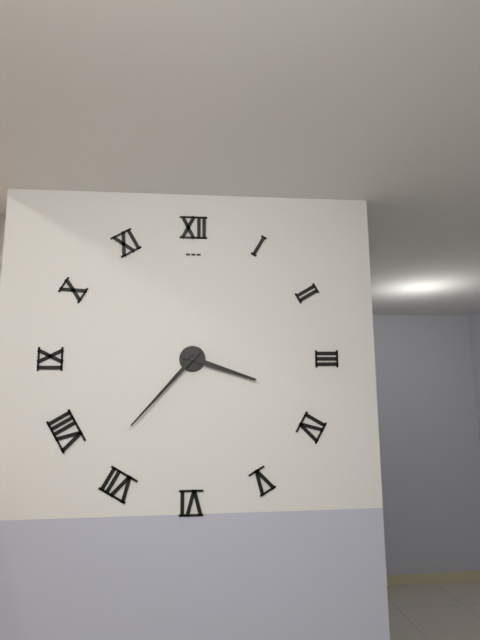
3:37
